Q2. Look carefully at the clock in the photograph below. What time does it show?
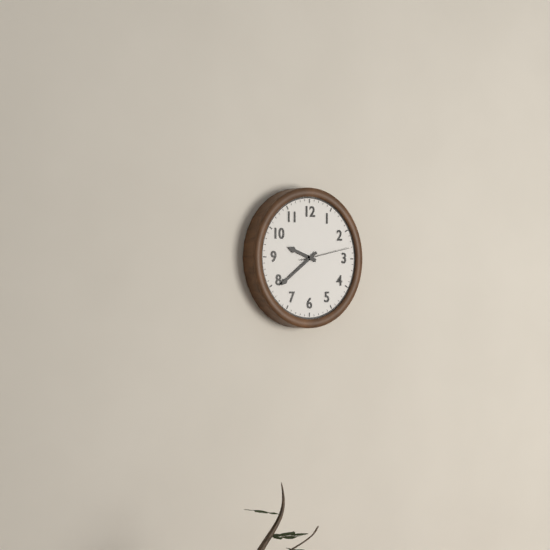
9:39:13
